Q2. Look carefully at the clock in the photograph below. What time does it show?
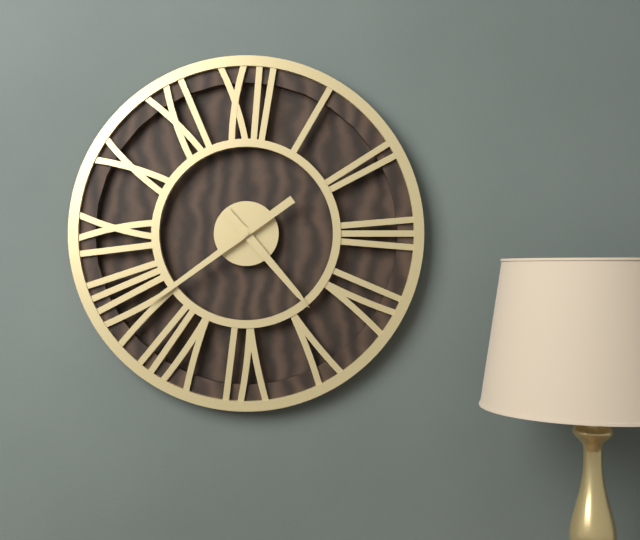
4:39
